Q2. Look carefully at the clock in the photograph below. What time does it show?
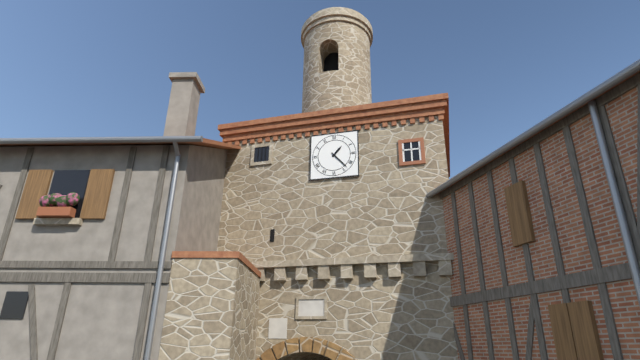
1:23
